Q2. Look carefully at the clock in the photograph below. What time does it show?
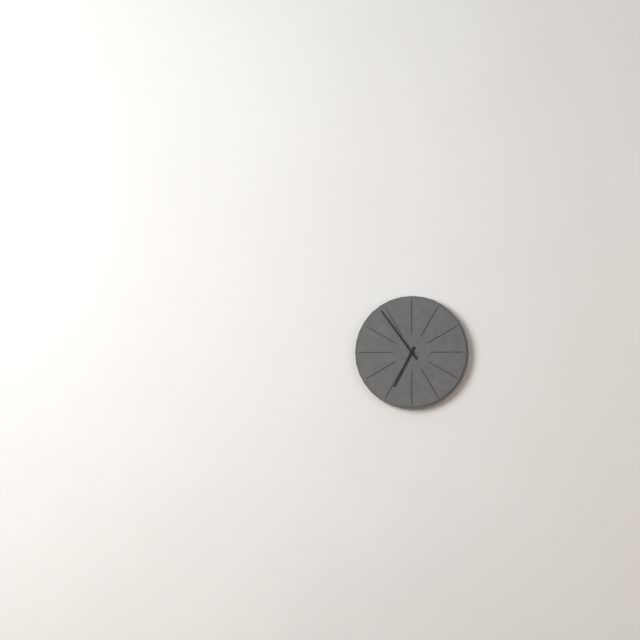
6:54
